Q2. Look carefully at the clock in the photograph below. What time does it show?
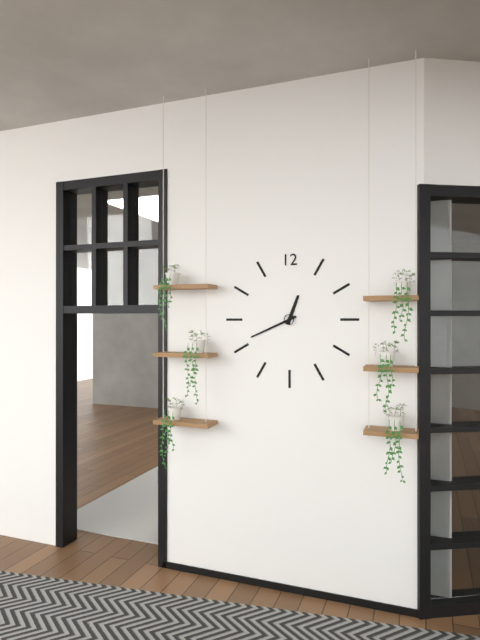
12:41
